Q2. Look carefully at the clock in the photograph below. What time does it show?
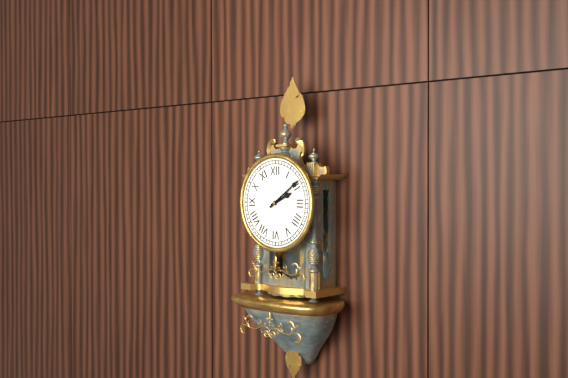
2:09
